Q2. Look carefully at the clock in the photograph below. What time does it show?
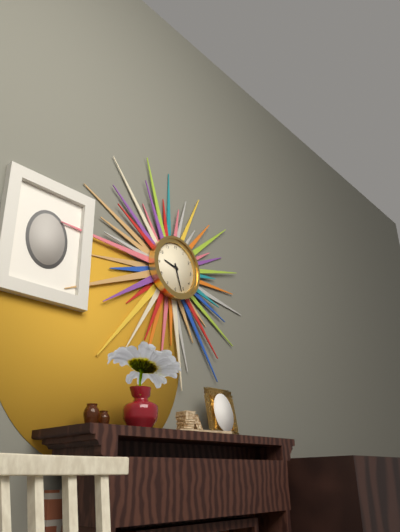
9:27
